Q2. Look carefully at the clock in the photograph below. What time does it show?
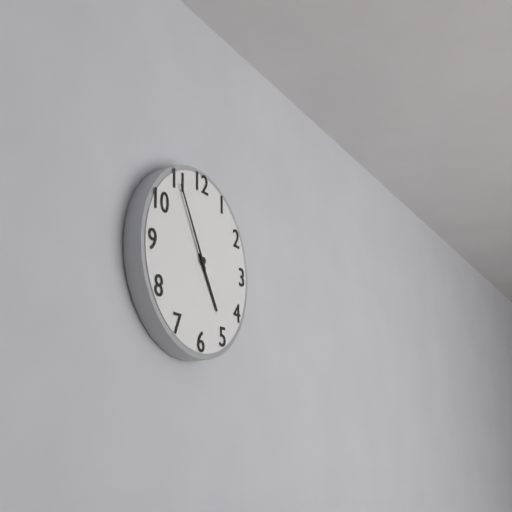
4:55
